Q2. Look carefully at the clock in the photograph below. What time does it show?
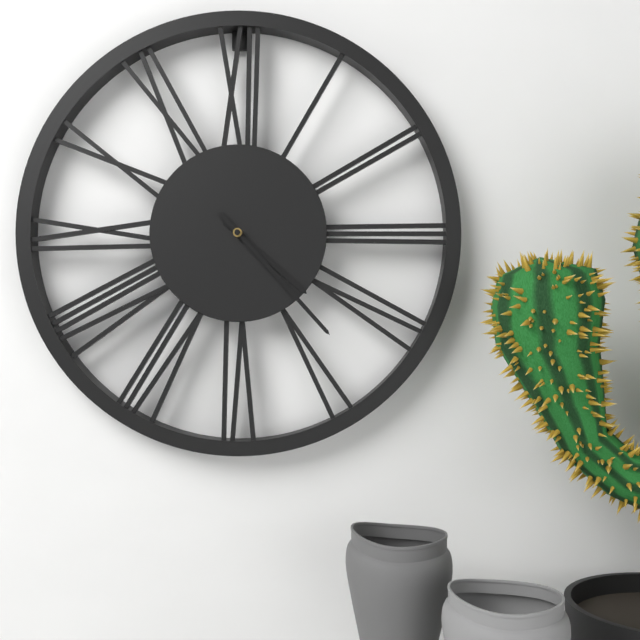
4:23
